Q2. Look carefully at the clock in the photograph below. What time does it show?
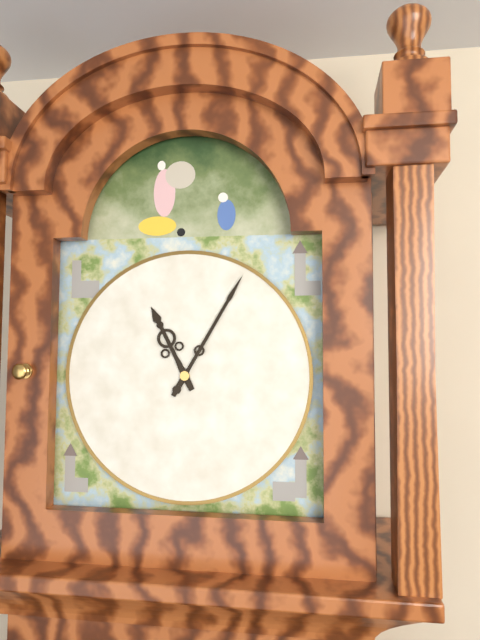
11:05
